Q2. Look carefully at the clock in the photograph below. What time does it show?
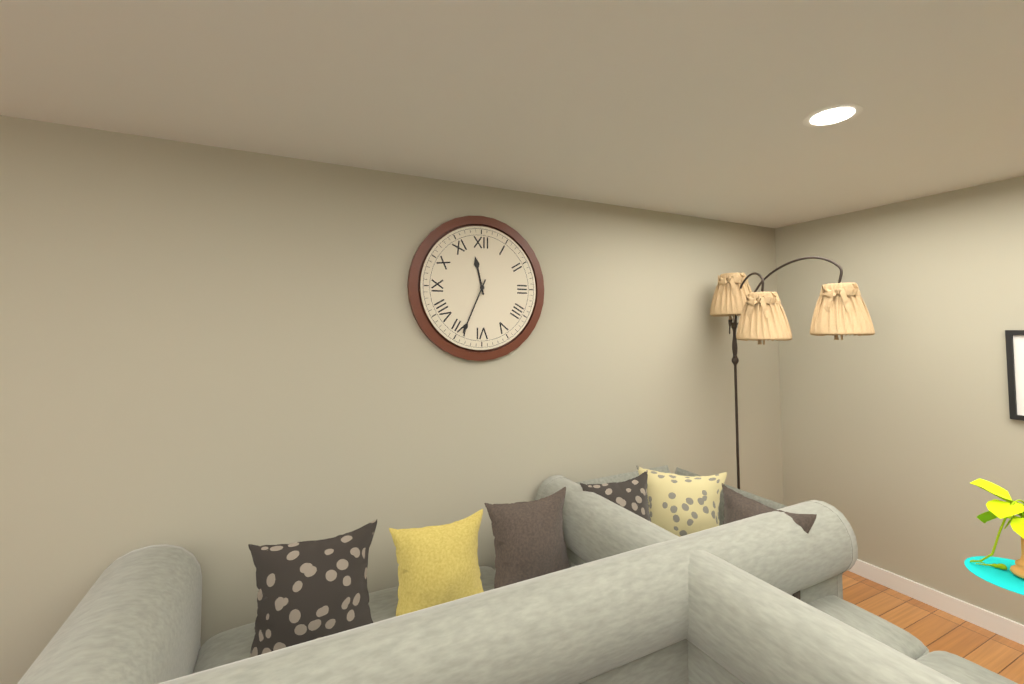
11:34
